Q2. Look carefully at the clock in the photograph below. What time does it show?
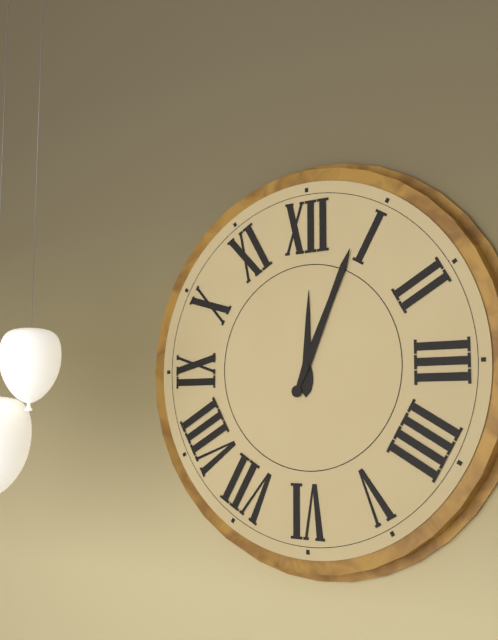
12:04
